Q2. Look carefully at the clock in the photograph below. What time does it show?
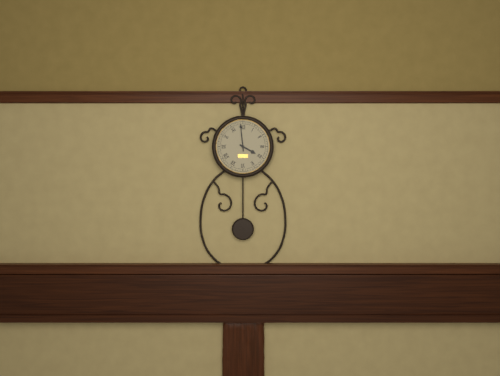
3:59
